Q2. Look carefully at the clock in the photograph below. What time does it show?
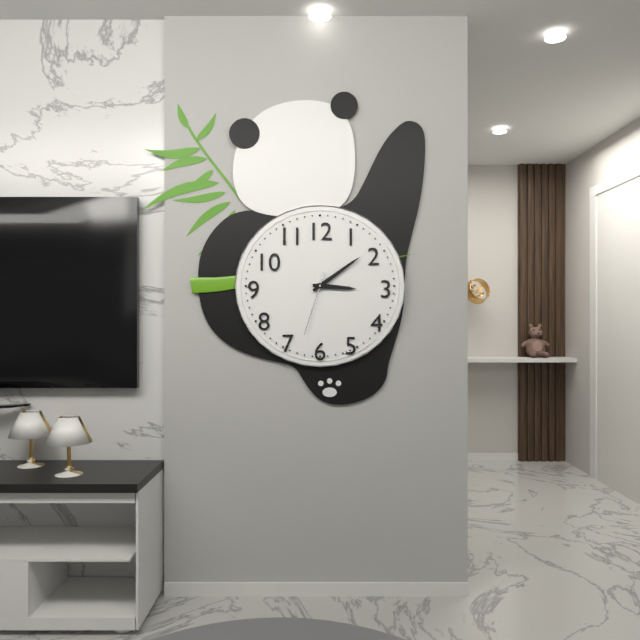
3:09:33
